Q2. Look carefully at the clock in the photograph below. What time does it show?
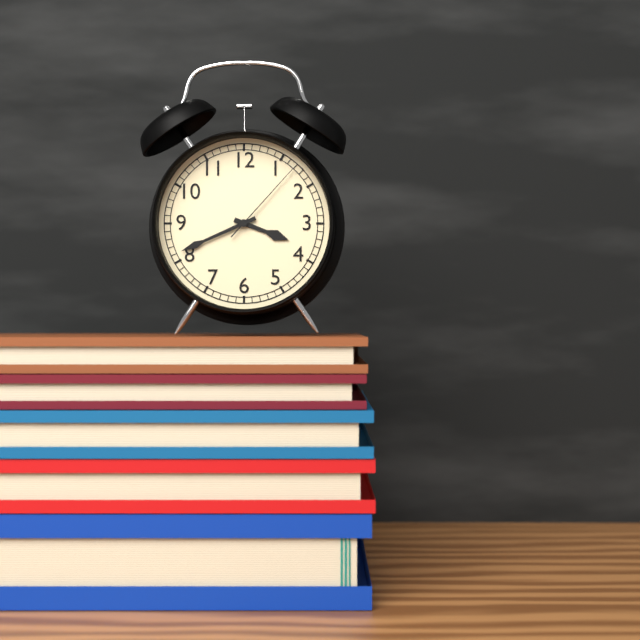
3:41:07
